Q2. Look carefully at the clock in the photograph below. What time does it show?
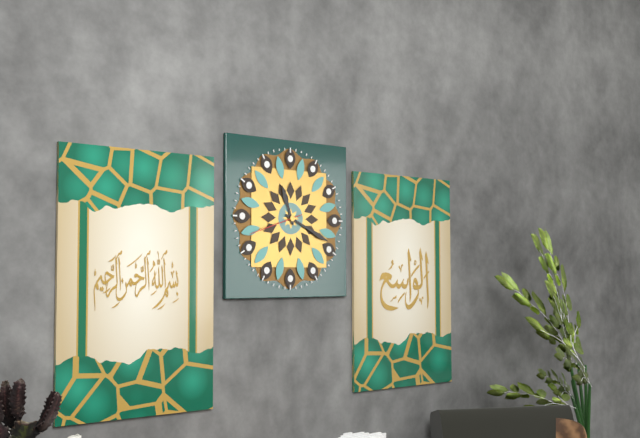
11:19:42
